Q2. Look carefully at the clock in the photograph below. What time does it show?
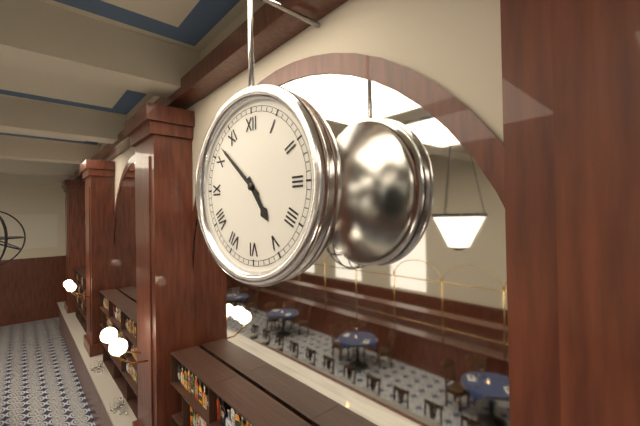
4:52
